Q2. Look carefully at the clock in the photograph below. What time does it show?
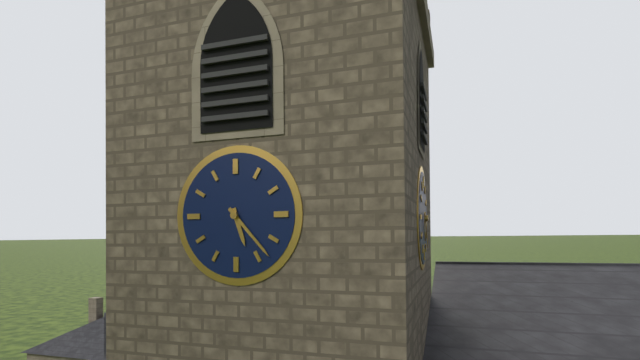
5:23
